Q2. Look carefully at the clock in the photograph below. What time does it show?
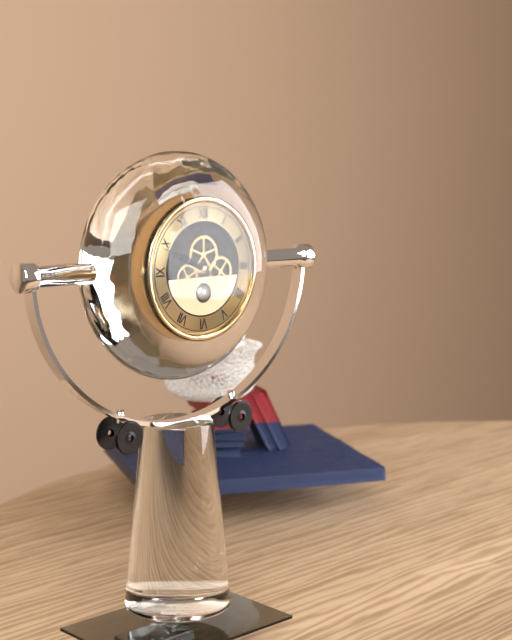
9:49
